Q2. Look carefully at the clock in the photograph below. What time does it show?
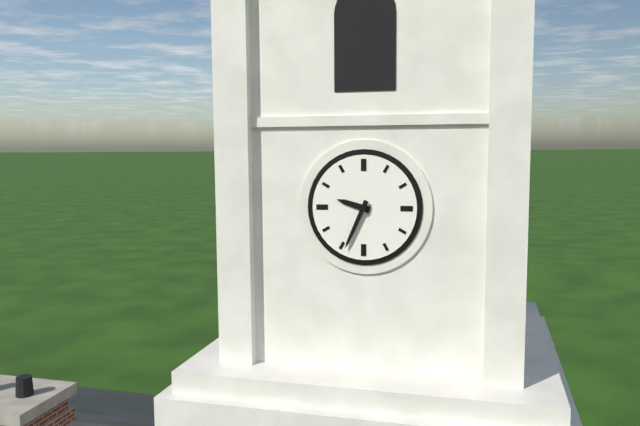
9:34
